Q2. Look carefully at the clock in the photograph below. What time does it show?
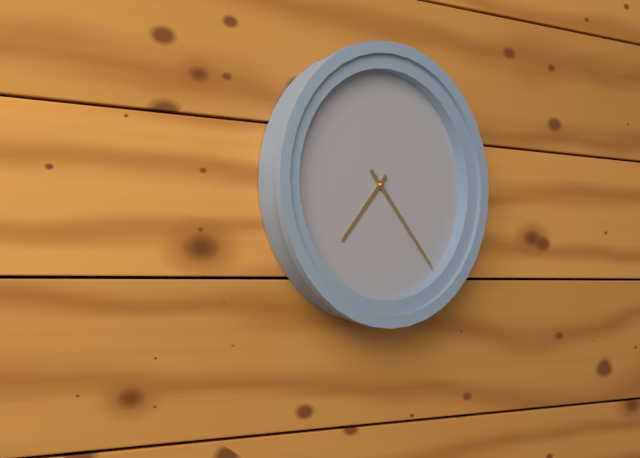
7:23
